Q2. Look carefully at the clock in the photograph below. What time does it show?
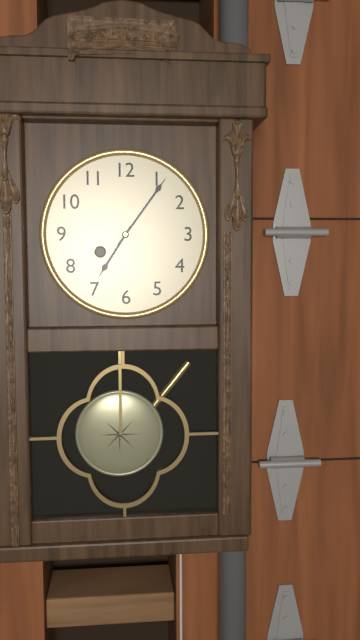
7:06
